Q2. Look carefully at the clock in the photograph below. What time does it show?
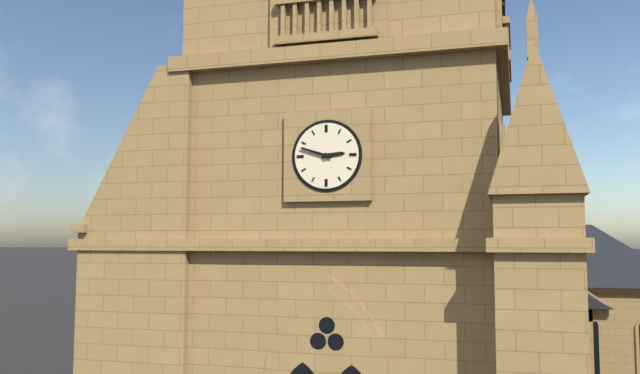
2:48
